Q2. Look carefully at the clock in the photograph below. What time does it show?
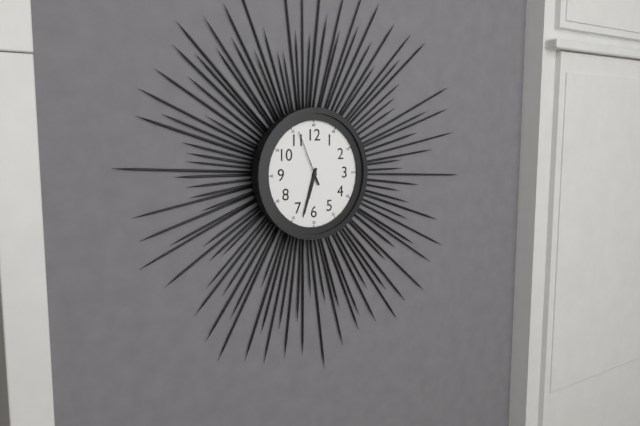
6:33:56
